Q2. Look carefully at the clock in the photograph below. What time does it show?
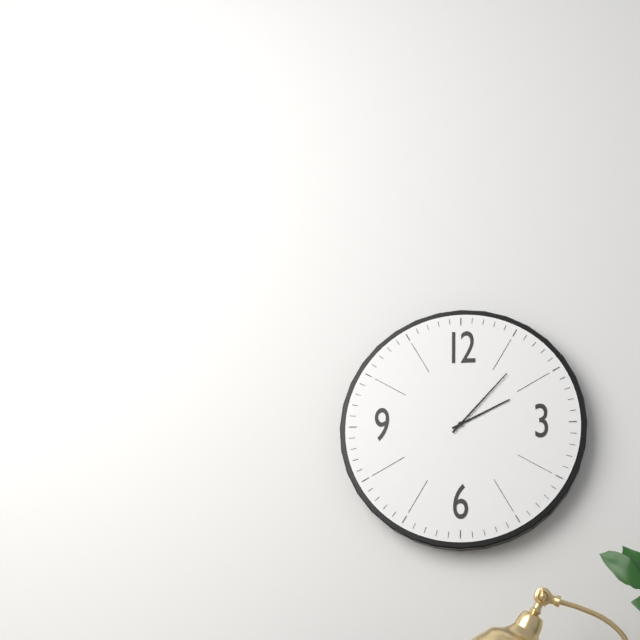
2:07
